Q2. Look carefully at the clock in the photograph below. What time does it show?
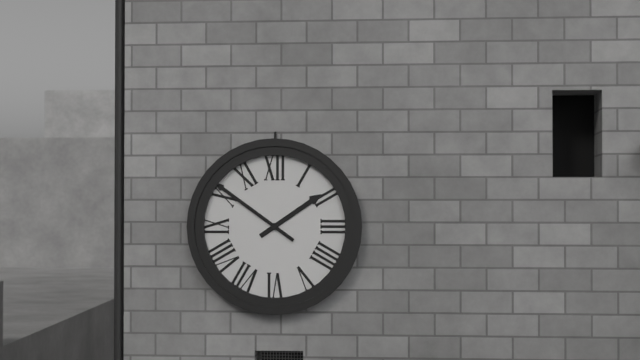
1:51
